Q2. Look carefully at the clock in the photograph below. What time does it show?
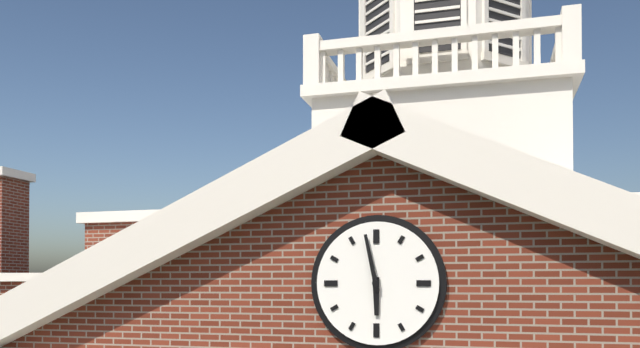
5:58
